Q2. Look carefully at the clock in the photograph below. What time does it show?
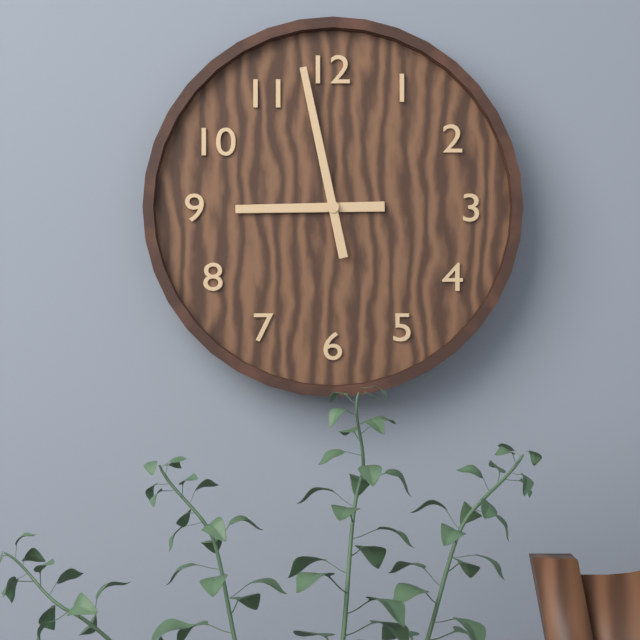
8:58
